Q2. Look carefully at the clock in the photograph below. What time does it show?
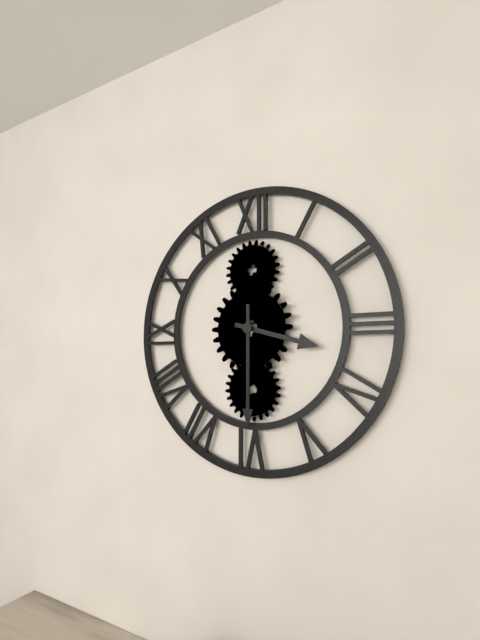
3:30
